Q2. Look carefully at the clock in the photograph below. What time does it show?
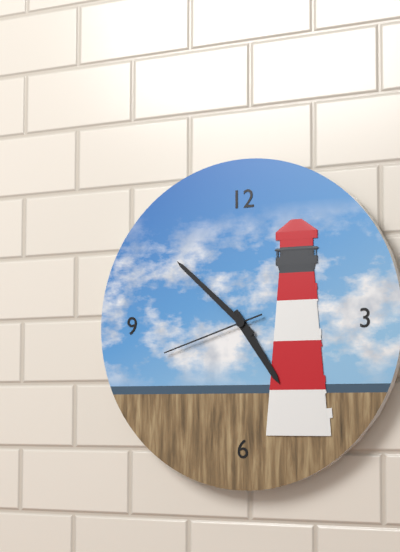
4:52:42
